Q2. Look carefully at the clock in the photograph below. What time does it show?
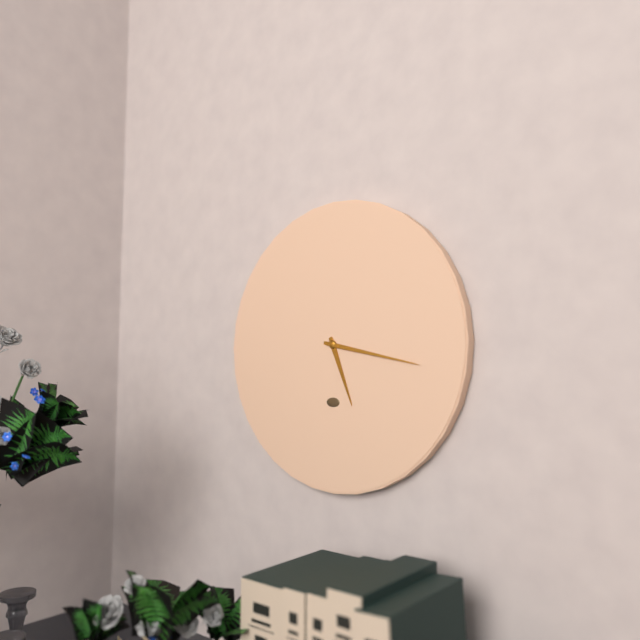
5:17
